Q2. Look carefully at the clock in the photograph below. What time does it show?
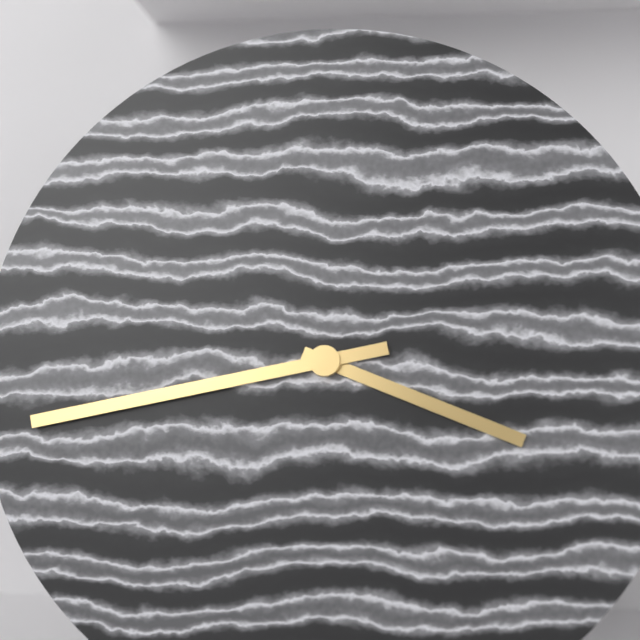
3:43
